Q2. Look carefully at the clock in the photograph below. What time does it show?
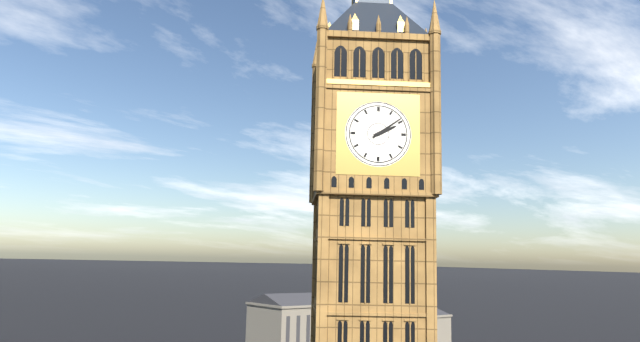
2:09
